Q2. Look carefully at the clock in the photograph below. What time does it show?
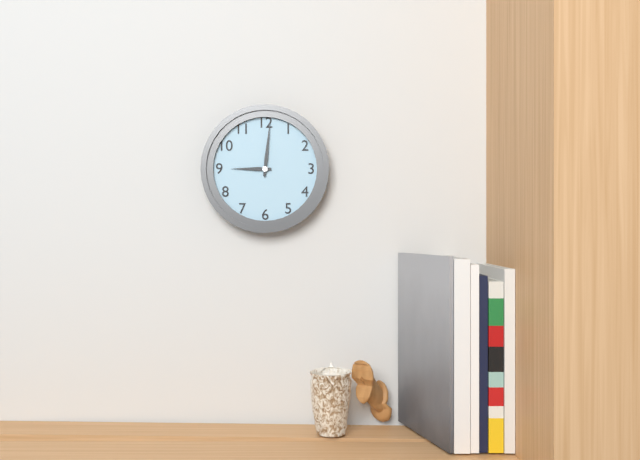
9:01
